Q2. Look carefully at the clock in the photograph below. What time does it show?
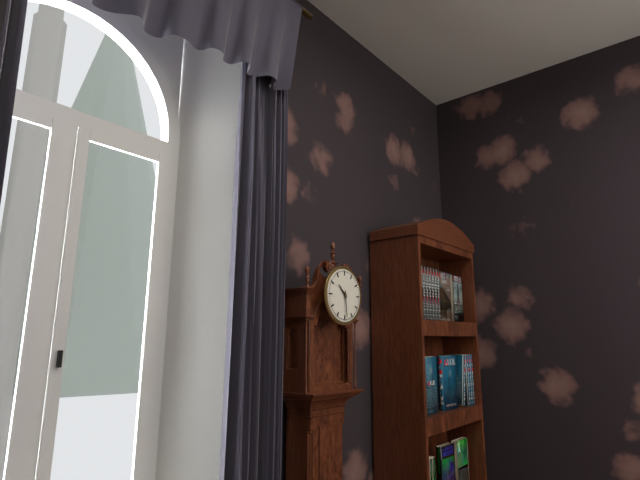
10:29
